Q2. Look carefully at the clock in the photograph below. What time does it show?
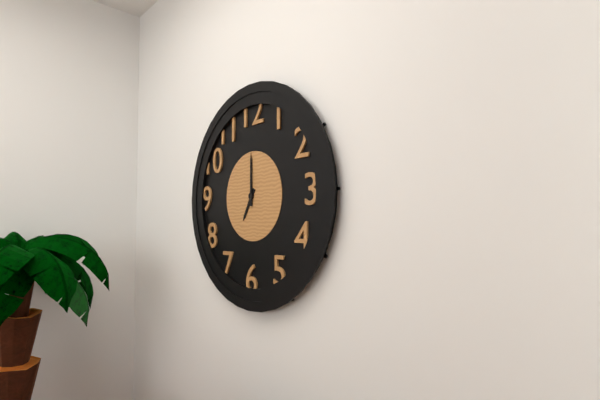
7:00
